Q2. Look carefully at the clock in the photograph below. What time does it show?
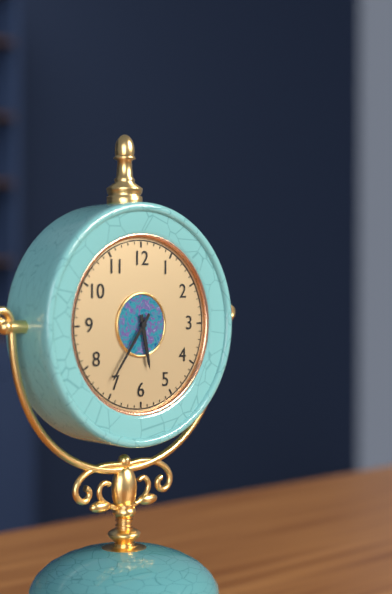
5:36
